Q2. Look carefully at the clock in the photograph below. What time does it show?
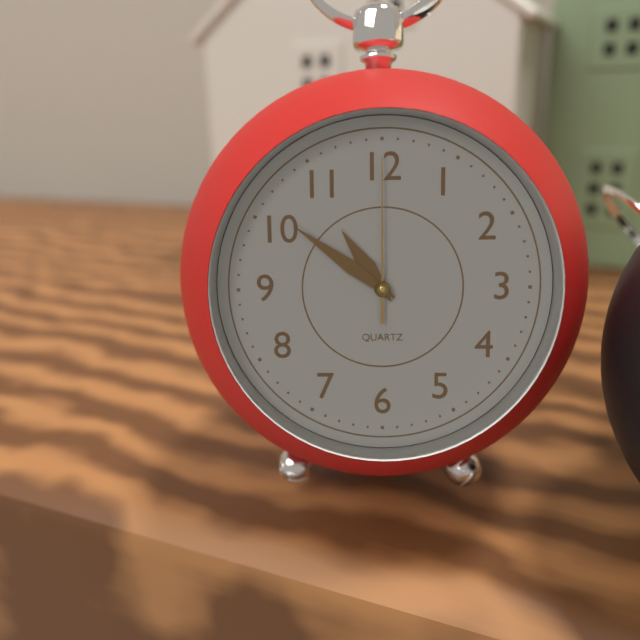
10:51:00
